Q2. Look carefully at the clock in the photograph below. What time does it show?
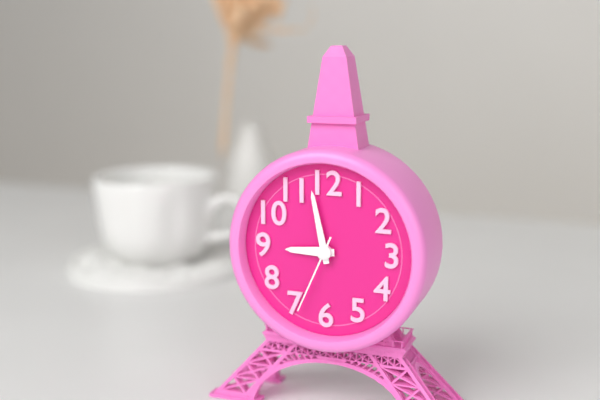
8:58:34
